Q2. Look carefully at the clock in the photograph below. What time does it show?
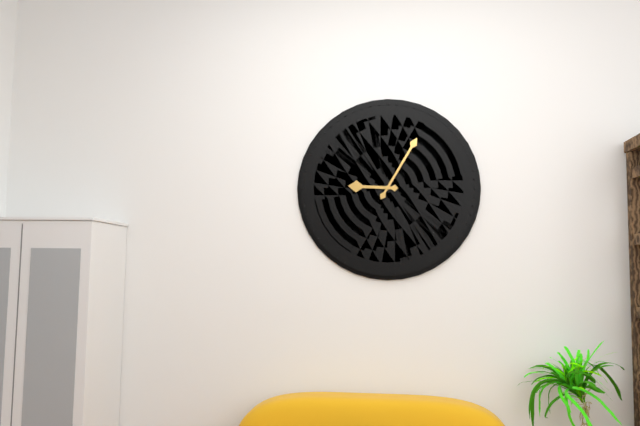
9:05
